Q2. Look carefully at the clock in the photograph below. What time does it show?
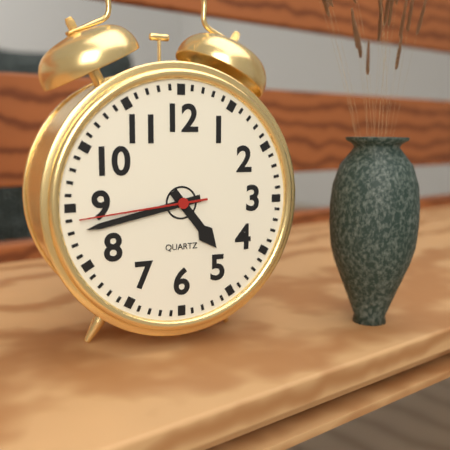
4:43:44
